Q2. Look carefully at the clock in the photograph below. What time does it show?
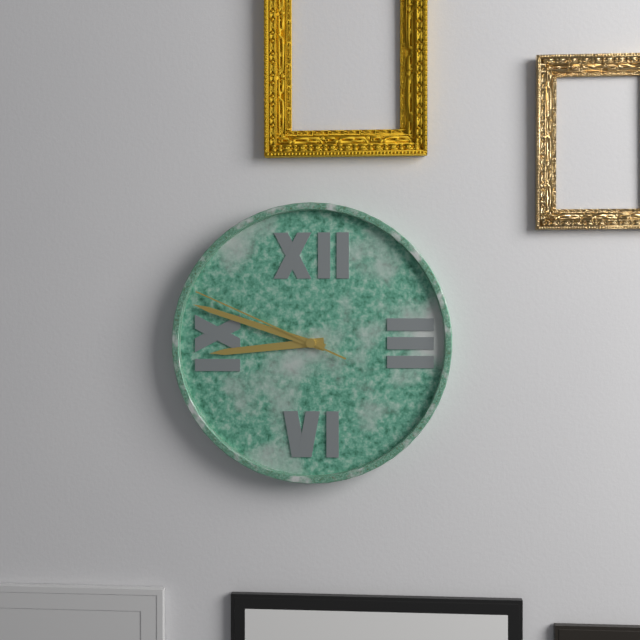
8:48:49
